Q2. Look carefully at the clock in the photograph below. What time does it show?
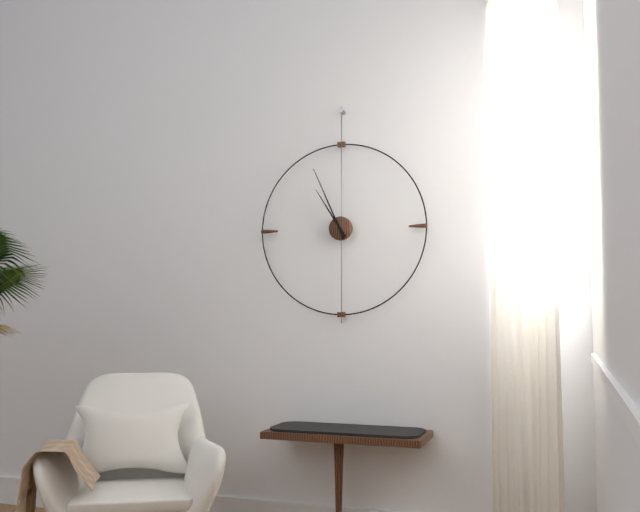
10:56
